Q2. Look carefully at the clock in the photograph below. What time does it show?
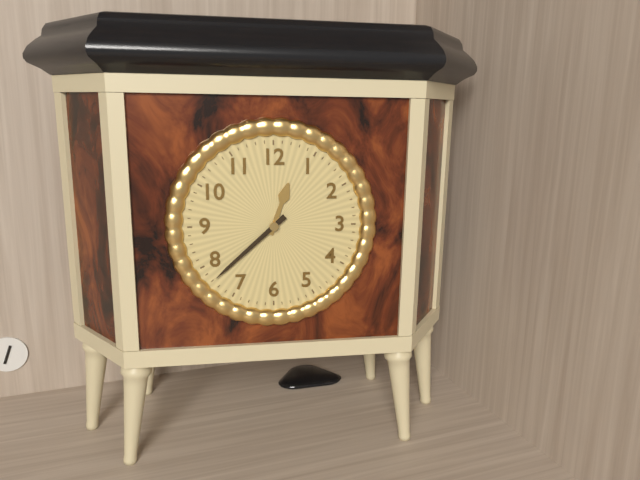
12:38
